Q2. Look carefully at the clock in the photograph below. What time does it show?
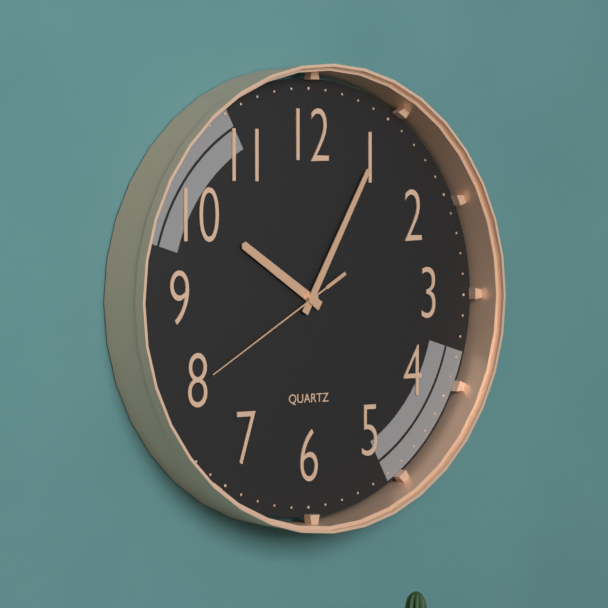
10:05:40
